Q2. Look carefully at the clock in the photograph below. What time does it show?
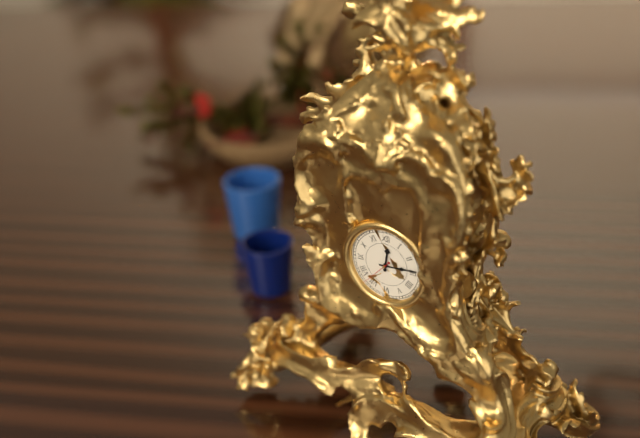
12:14
